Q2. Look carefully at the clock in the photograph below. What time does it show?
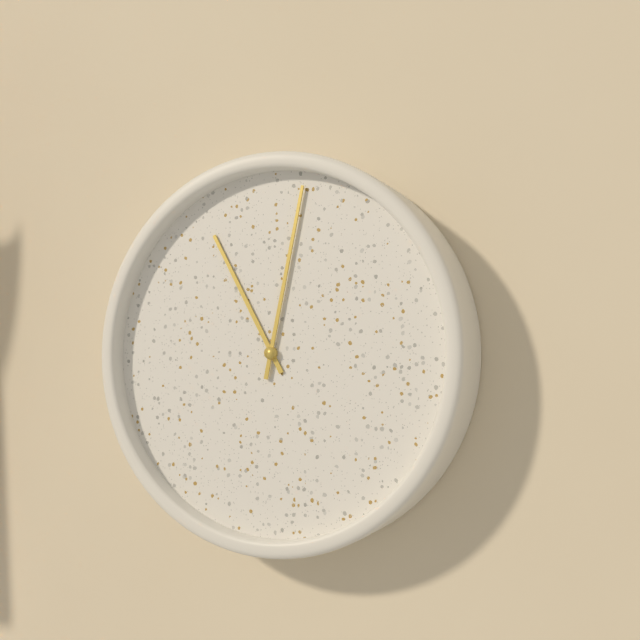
11:02
